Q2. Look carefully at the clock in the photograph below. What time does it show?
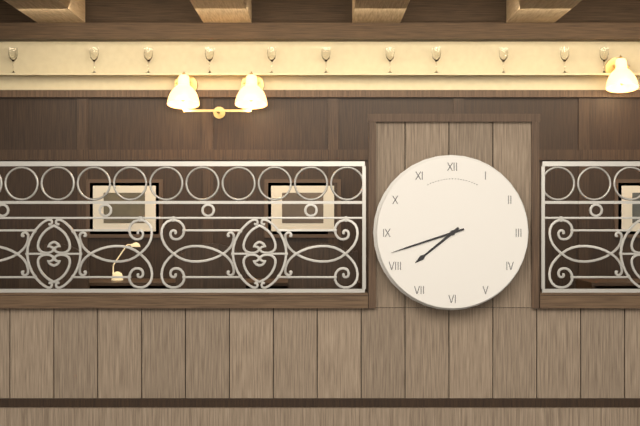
7:42
